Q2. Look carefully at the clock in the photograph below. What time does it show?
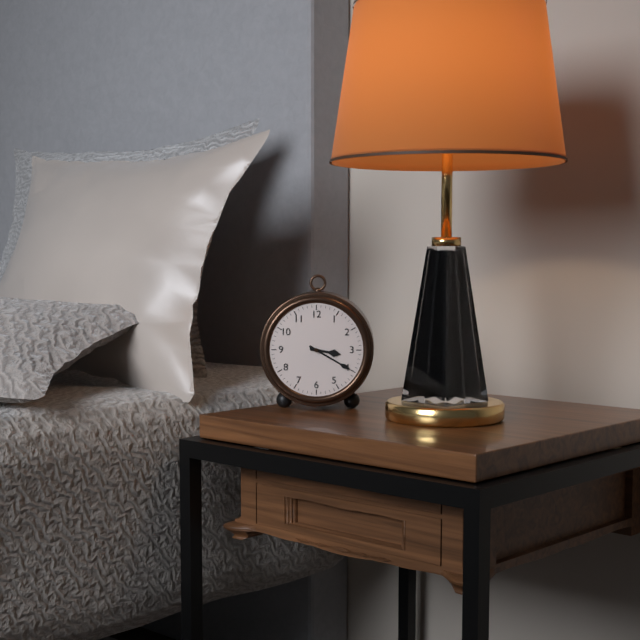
3:20
